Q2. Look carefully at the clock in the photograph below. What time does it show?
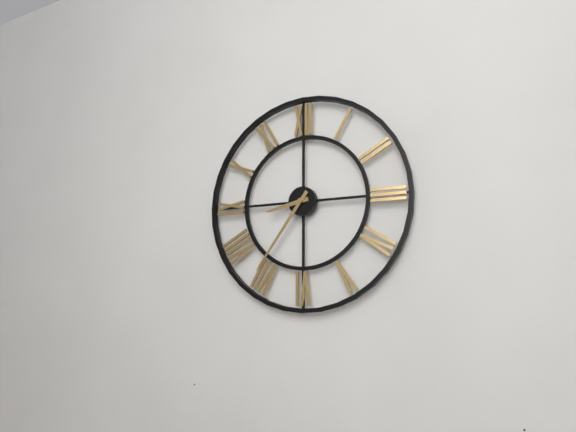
8:36
